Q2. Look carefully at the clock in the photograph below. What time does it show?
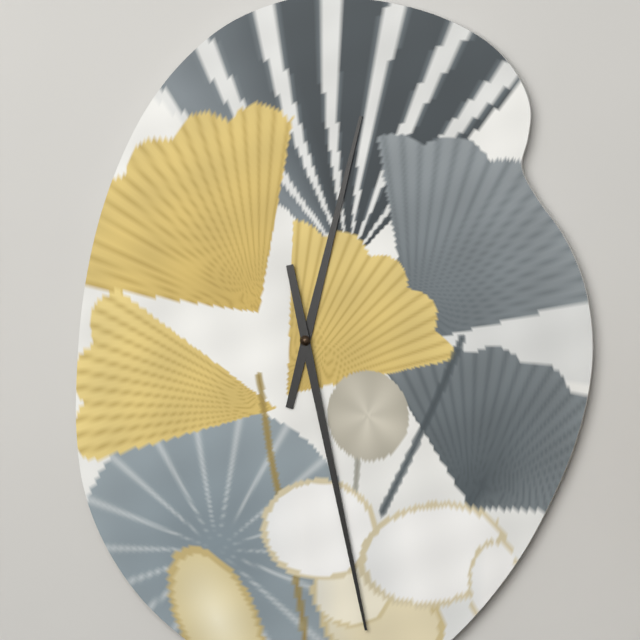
12:28
